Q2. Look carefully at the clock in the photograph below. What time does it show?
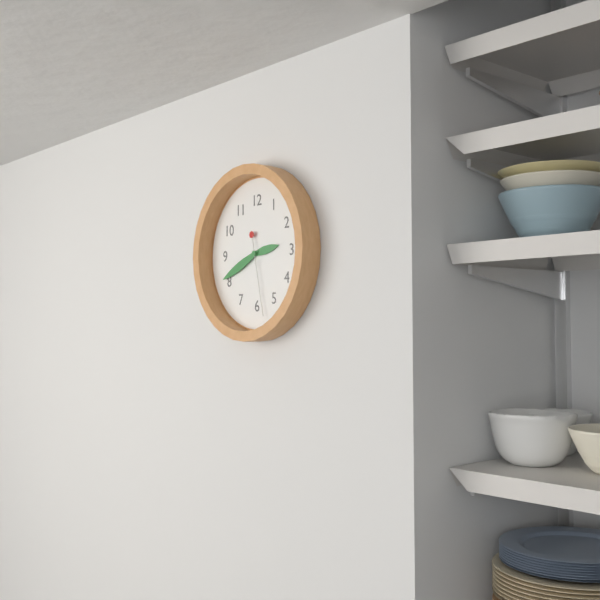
2:41:28
